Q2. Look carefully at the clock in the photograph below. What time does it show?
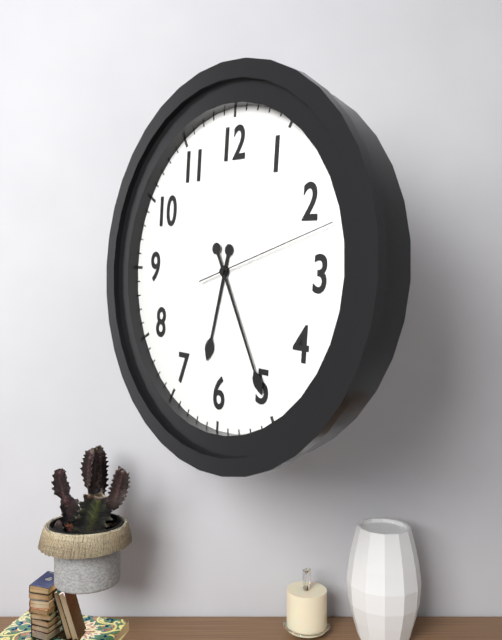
6:25:12
